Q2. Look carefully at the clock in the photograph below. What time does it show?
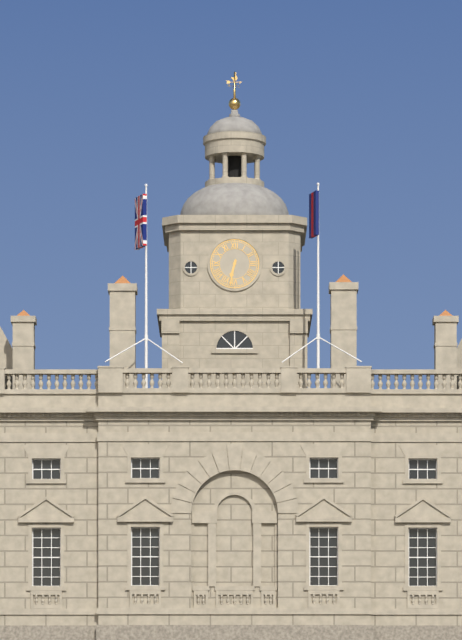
6:32
